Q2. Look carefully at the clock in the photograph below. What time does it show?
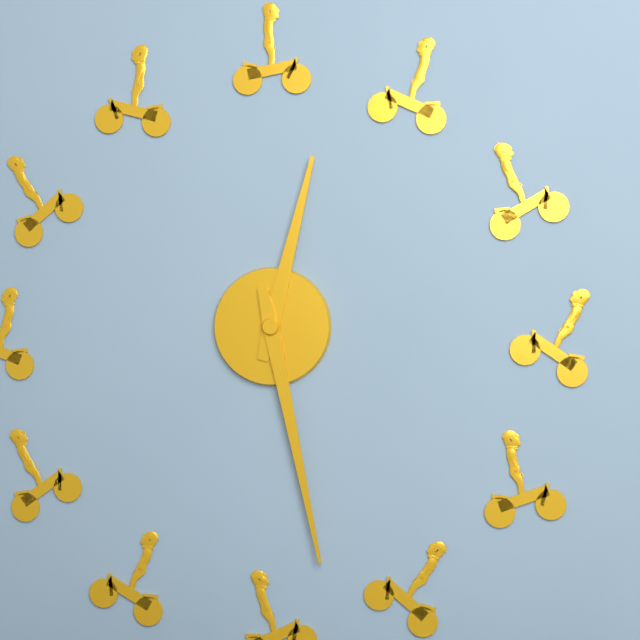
12:28
